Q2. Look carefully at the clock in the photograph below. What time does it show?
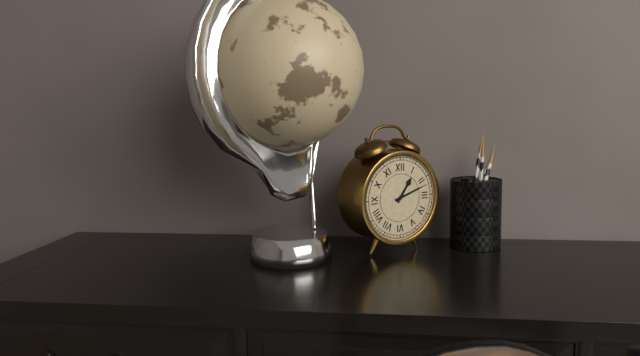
1:12
